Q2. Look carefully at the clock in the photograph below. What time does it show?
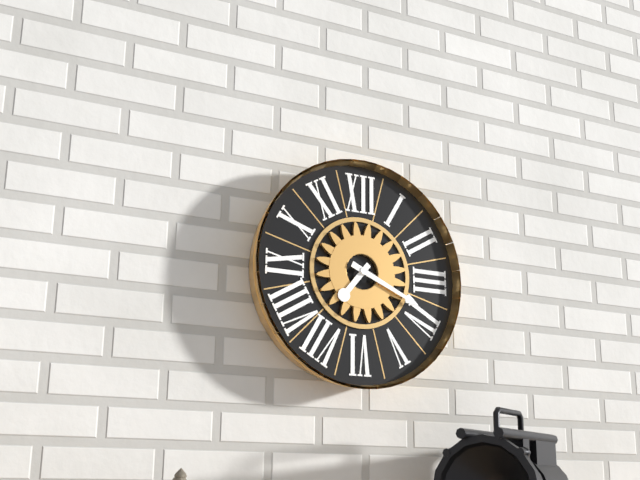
7:19
